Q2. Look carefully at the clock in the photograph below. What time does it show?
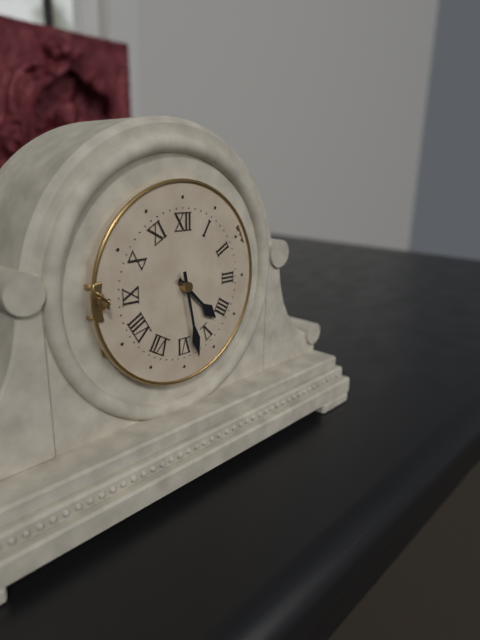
4:28
